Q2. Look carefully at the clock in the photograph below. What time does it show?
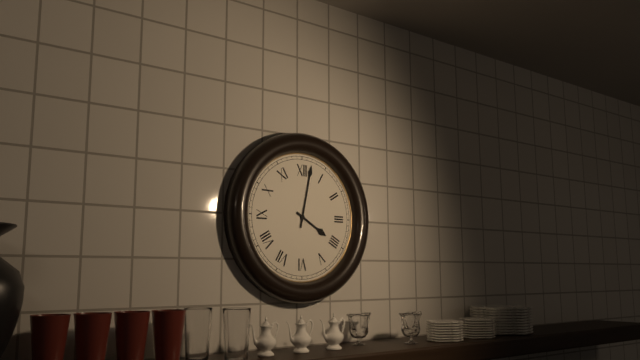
4:02
